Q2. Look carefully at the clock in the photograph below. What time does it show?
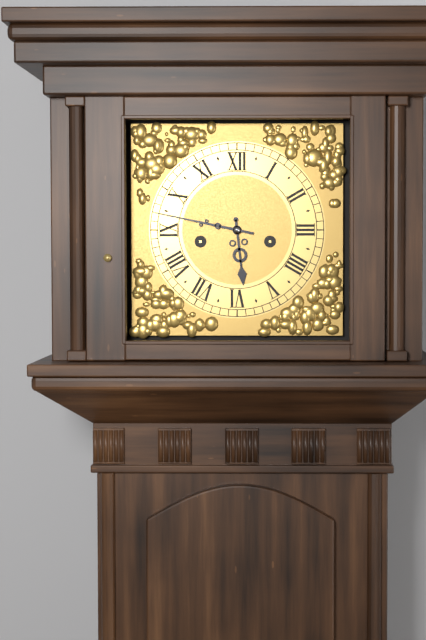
5:47
